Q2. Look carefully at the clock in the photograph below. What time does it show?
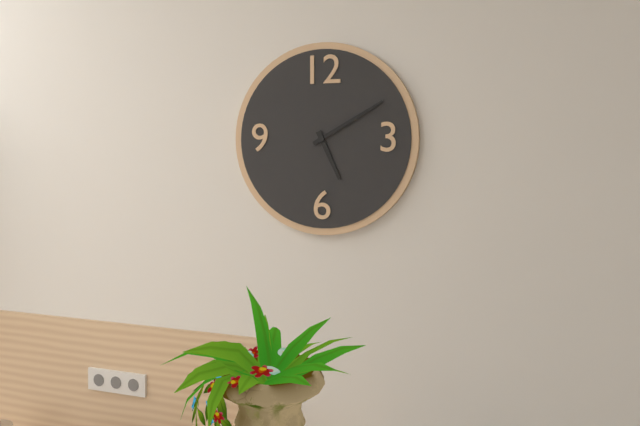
5:10
